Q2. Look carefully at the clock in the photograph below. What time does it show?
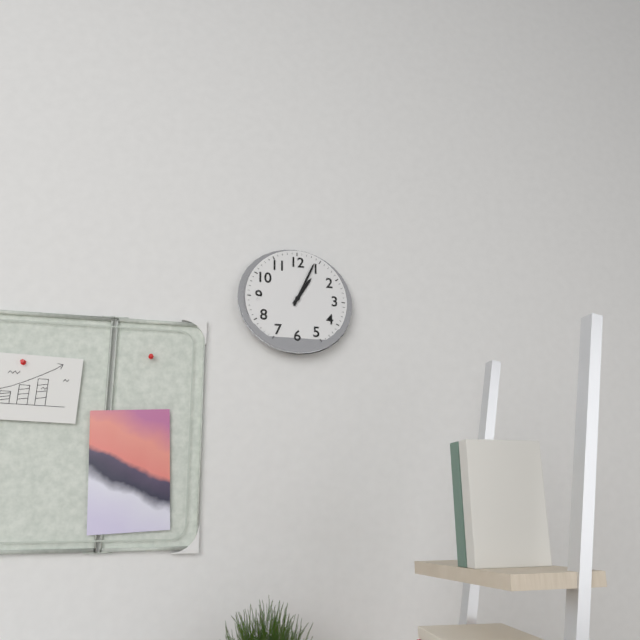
1:04
